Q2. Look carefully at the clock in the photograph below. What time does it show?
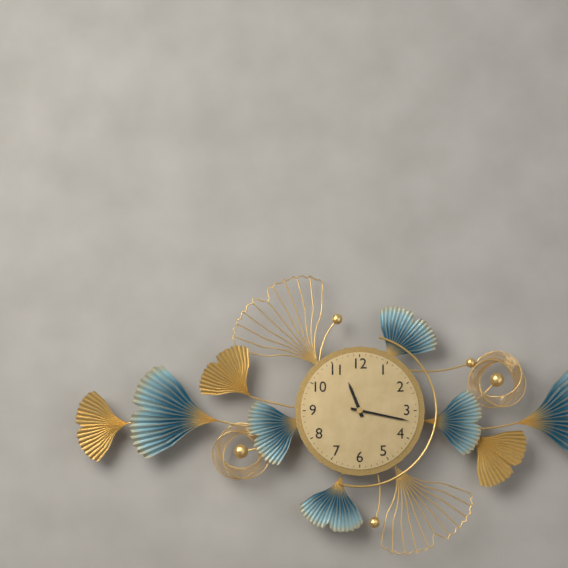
11:17
